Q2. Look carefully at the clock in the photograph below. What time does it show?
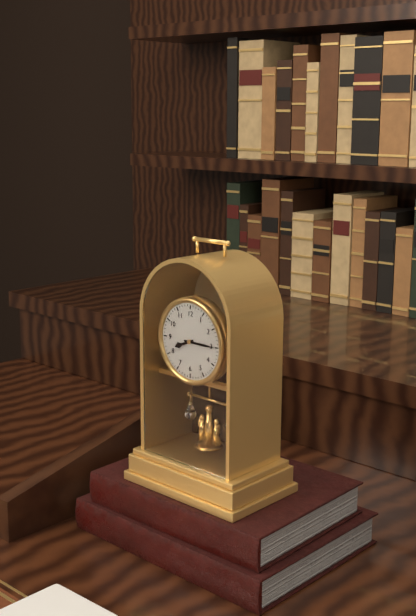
8:15
